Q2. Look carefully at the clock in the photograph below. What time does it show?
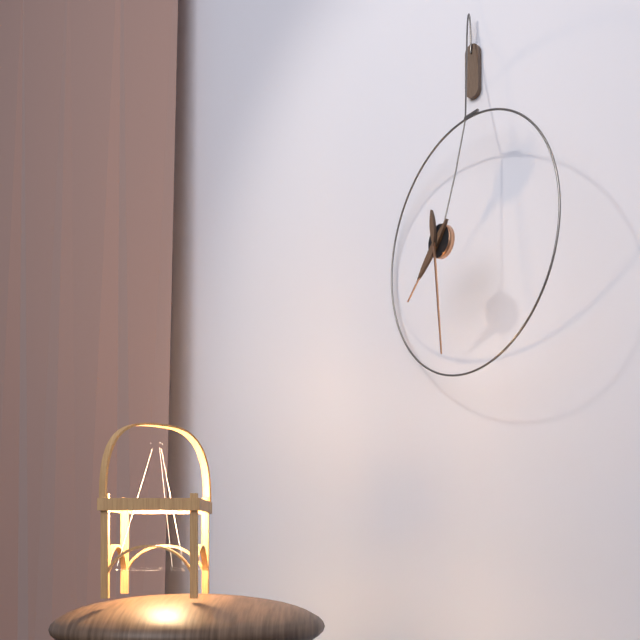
7:29
